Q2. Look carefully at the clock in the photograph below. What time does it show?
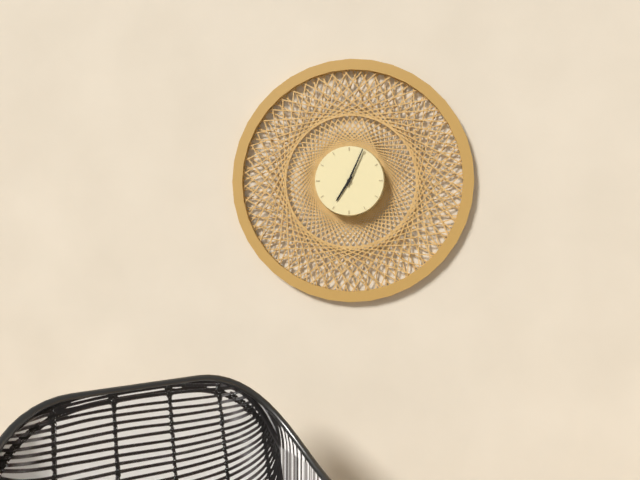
7:04
